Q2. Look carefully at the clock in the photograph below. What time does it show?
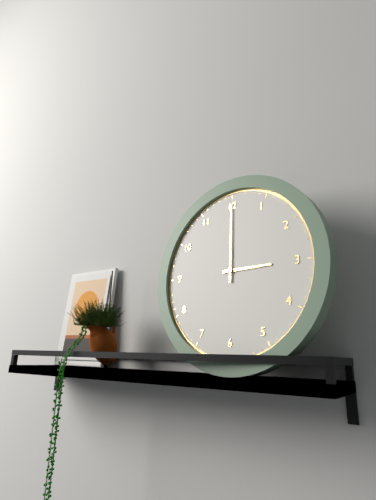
3:00
